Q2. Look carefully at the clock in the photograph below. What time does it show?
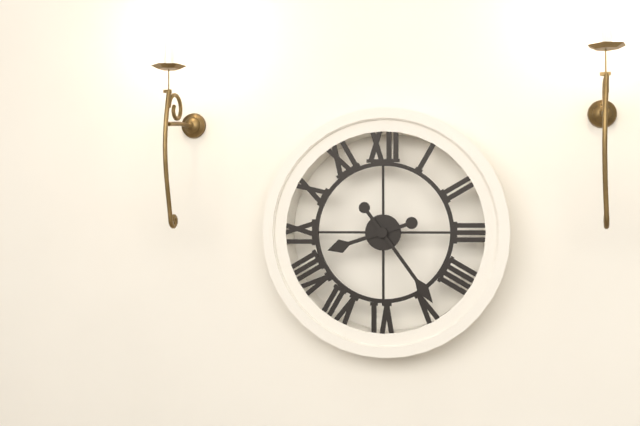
8:24
